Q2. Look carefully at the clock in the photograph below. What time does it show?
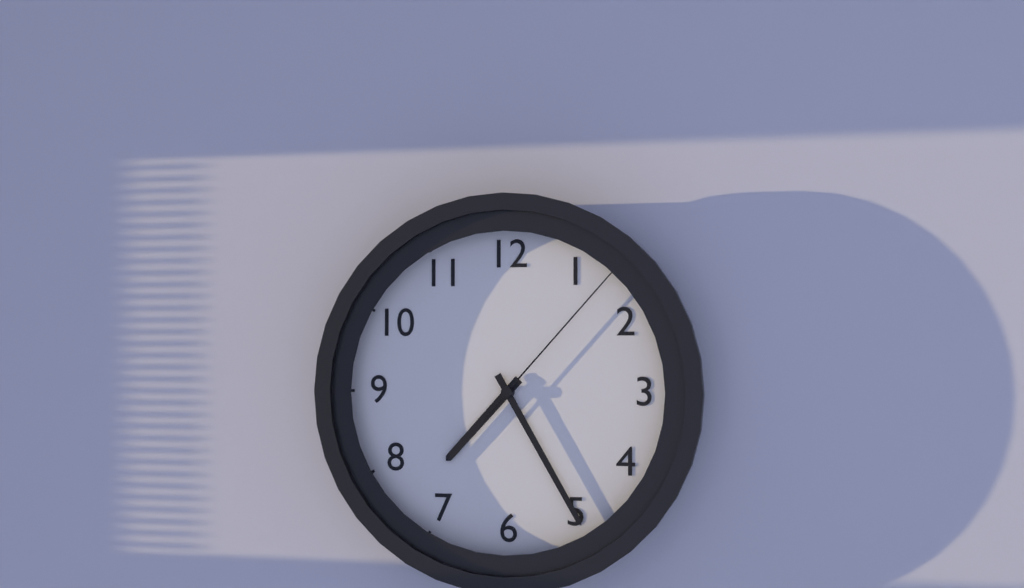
7:25:07
